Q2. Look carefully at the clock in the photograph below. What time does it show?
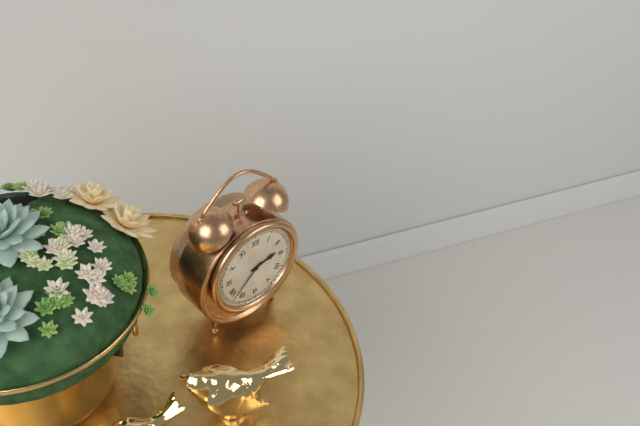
2:38
